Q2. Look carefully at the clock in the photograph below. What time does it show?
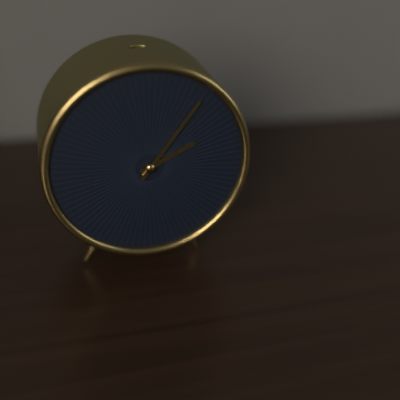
2:06
